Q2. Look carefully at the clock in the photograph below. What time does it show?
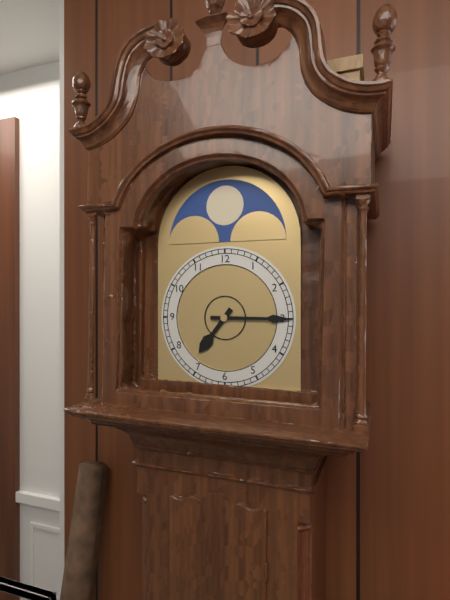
7:15
